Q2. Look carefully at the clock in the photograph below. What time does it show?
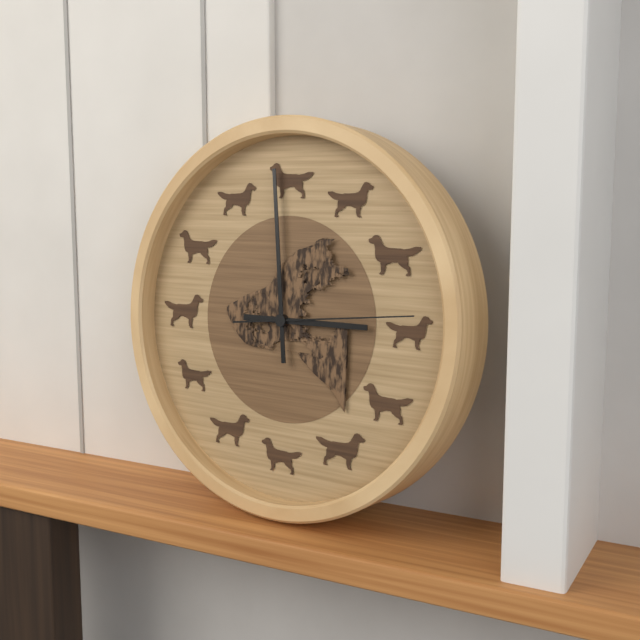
2:59:14
